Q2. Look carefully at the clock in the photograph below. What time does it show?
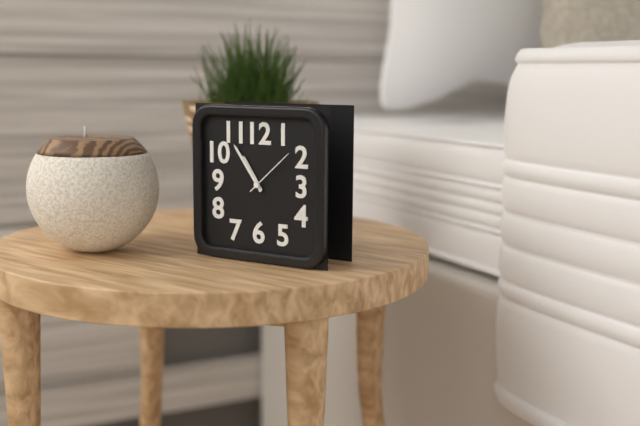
10:54:08
